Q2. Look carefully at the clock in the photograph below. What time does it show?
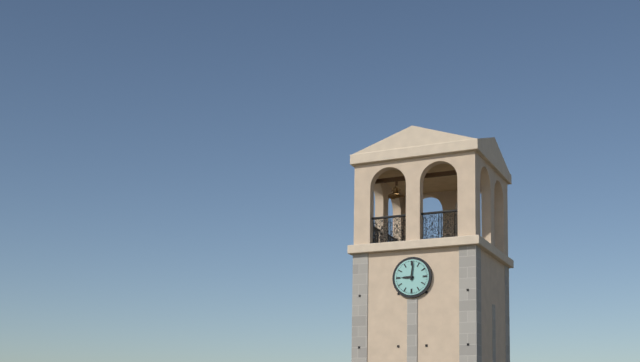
9:01
